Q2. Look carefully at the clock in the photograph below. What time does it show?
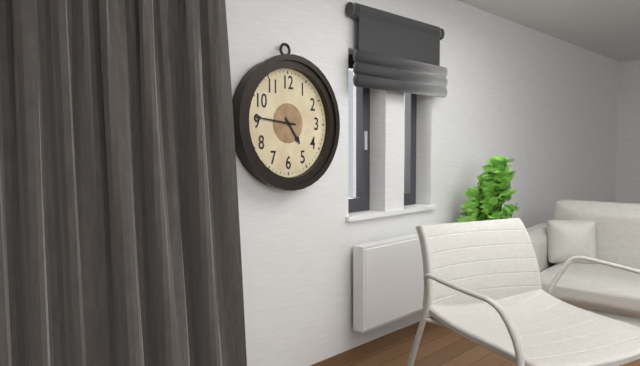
4:46
